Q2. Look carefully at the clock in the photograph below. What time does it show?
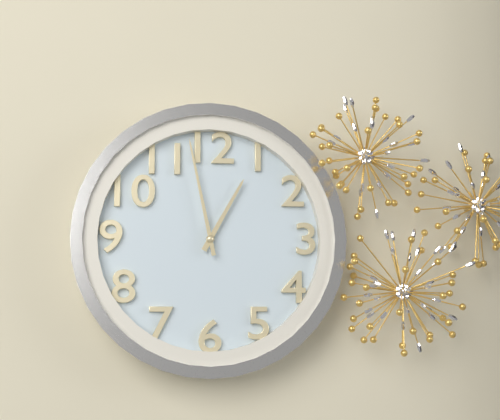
12:58
